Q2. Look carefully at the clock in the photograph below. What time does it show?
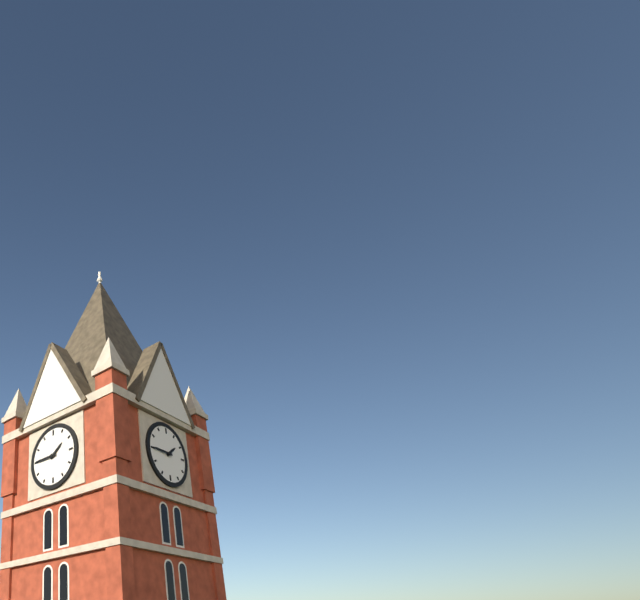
1:45
